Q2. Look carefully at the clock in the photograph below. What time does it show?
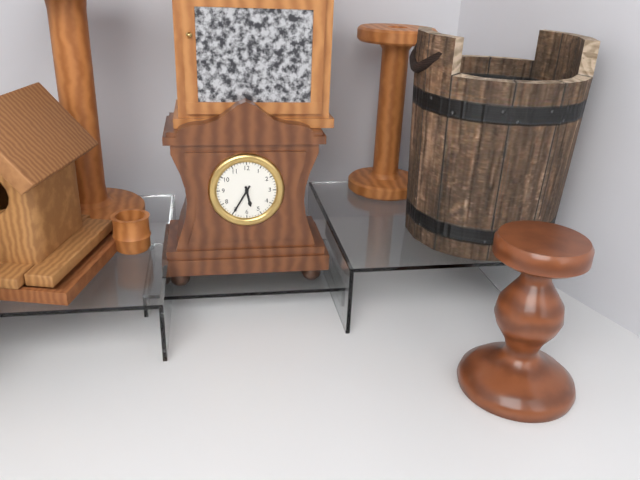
5:35
